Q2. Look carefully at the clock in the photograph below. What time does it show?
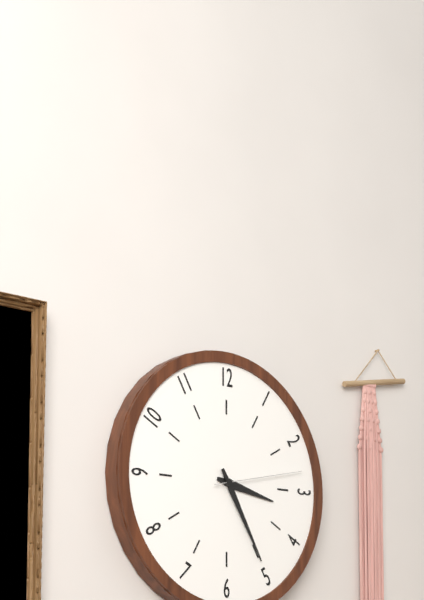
3:25:13
